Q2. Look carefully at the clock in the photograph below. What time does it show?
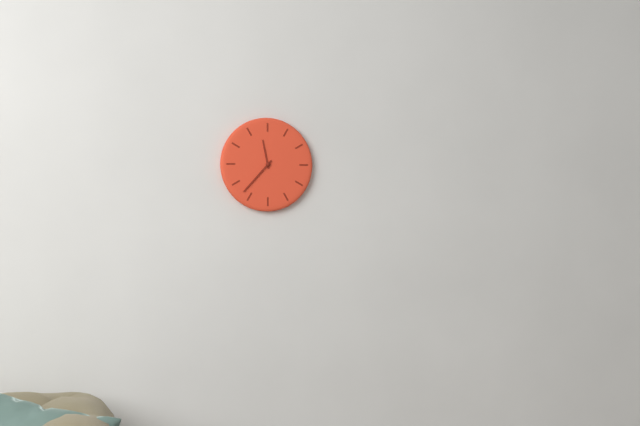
11:37
